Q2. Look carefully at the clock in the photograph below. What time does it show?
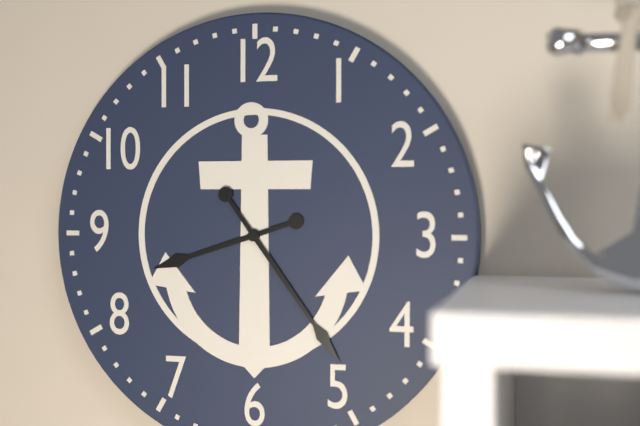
8:24
